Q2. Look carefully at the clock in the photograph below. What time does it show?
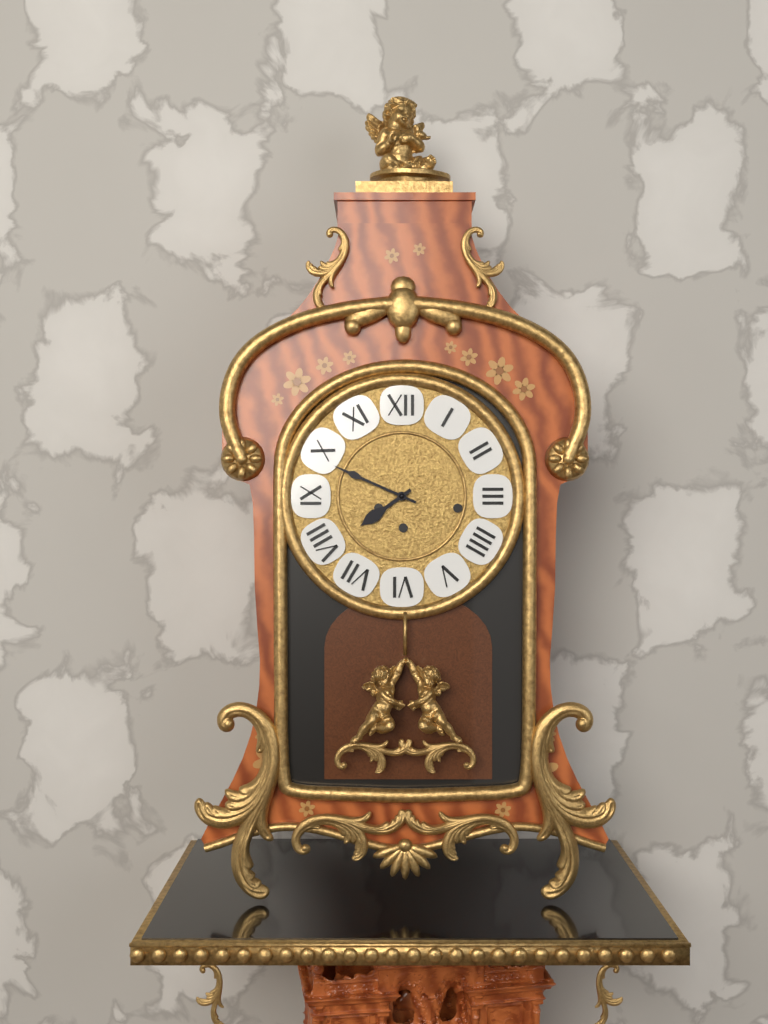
7:49
